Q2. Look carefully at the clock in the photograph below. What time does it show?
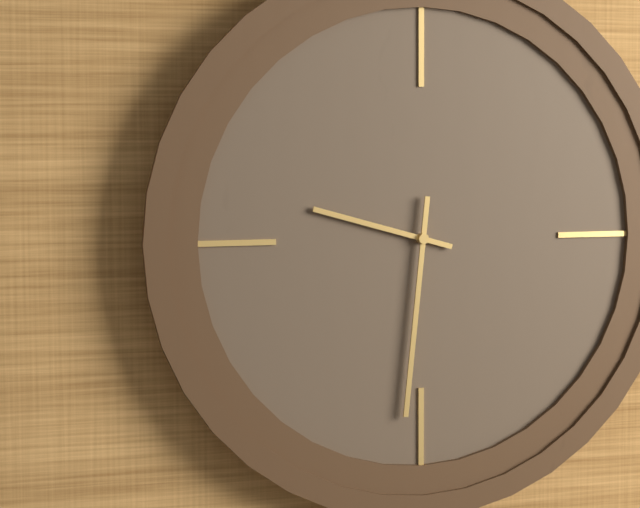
9:31
